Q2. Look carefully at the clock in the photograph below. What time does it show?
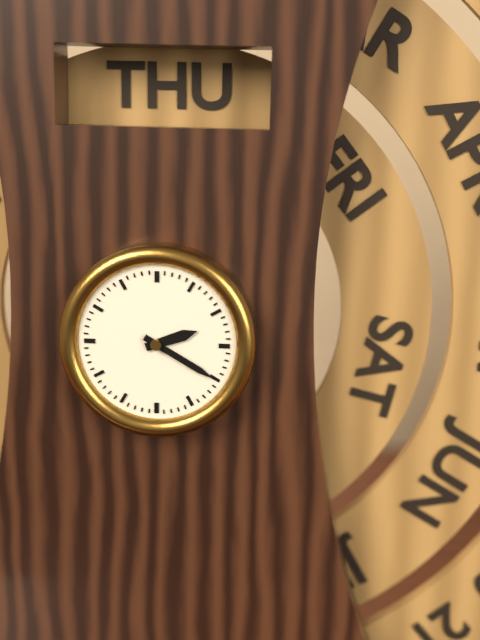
2:20
